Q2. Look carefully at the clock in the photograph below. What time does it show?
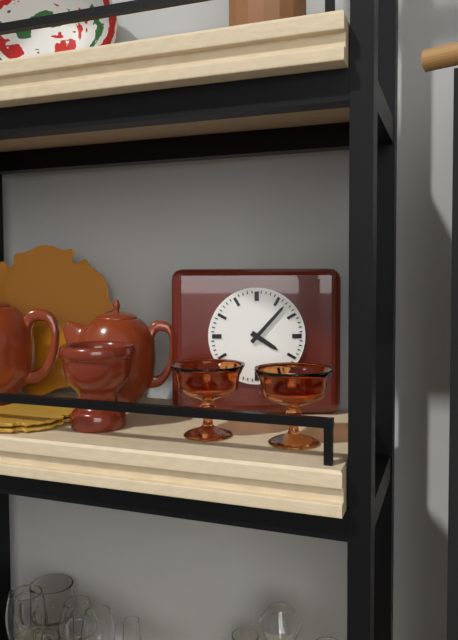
4:07
